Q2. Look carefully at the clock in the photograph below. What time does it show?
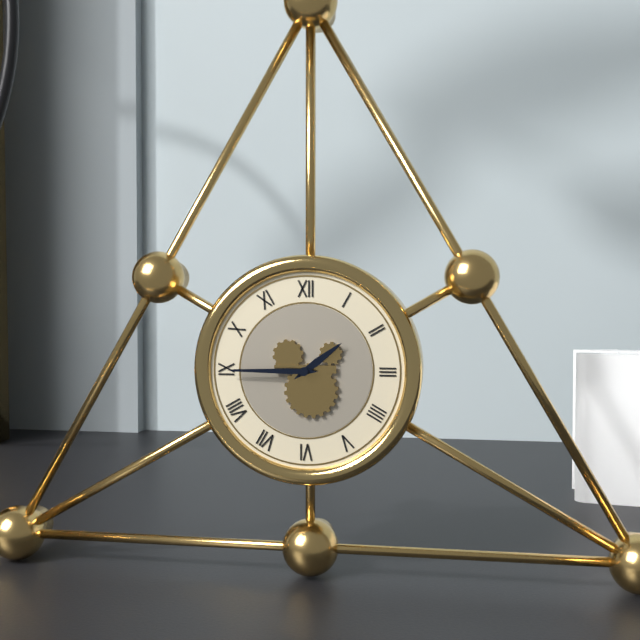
1:45
